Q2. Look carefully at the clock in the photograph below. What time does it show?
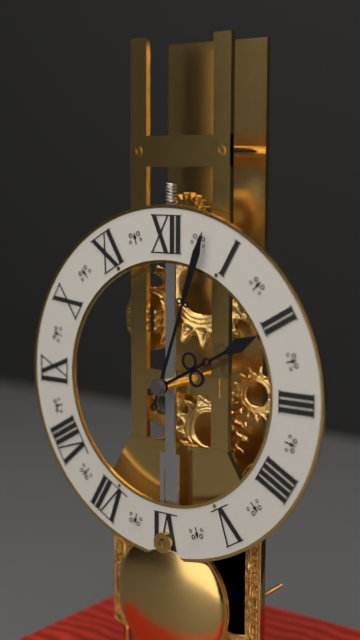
2:03
